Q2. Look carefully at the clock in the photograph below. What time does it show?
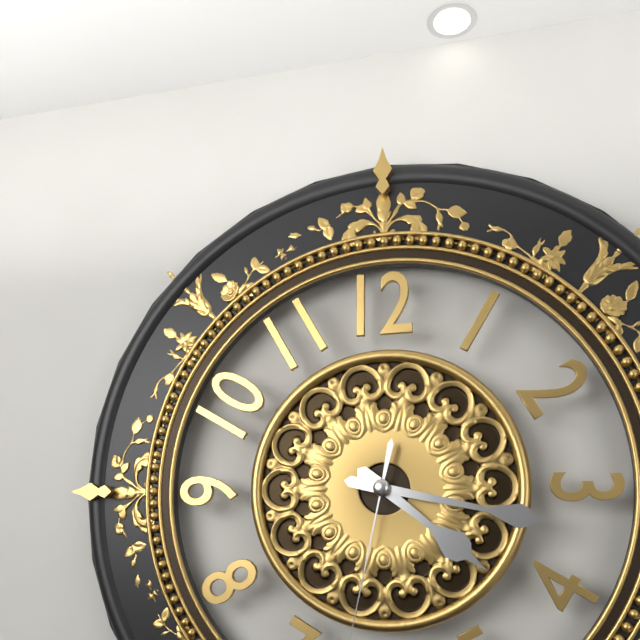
4:17
